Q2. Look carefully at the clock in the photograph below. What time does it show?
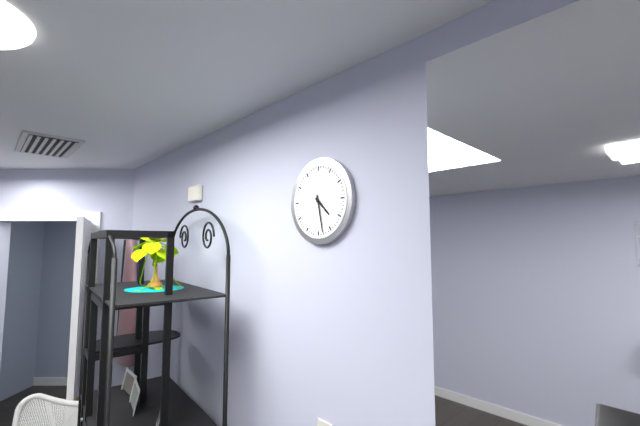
4:28
